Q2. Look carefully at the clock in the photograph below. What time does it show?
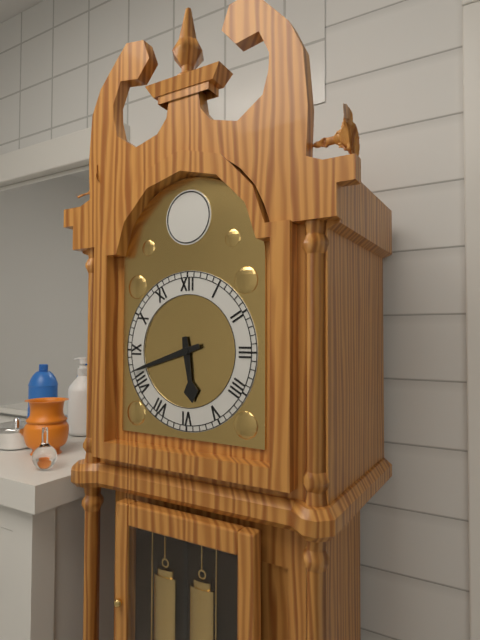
5:42
